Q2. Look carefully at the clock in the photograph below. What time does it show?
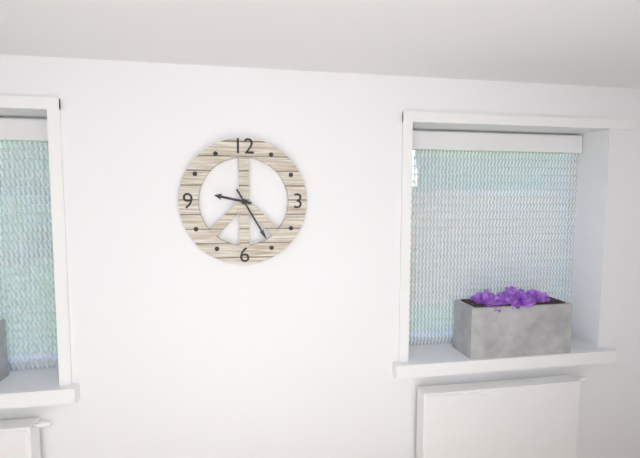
9:25
